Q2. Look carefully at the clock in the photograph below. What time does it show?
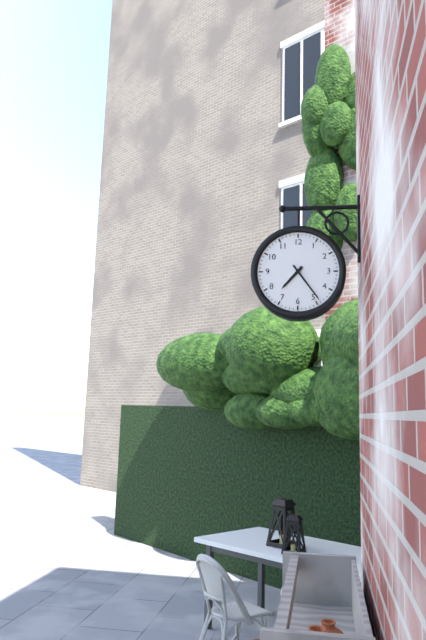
7:24
